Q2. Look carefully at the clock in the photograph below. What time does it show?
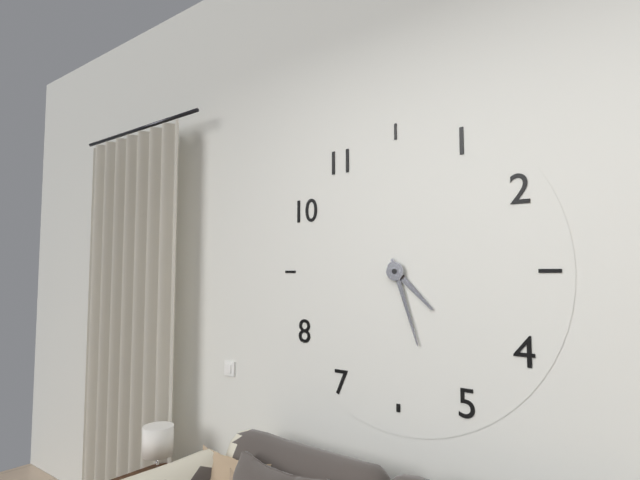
4:27
